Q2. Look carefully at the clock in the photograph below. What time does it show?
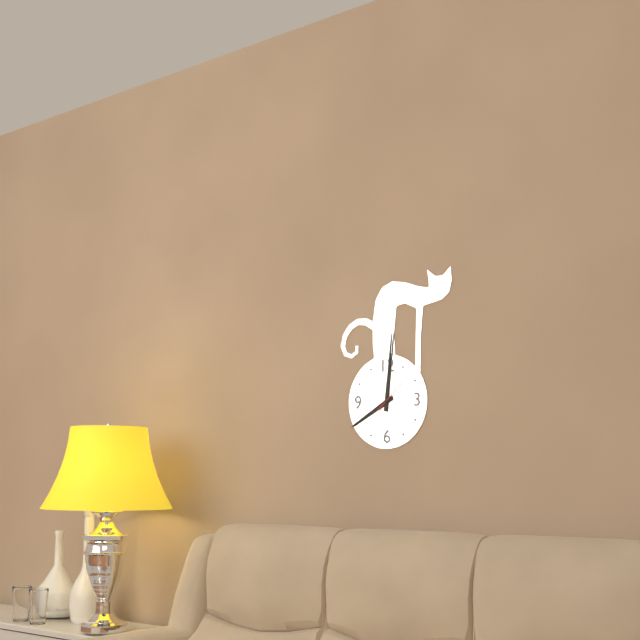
8:01:08
